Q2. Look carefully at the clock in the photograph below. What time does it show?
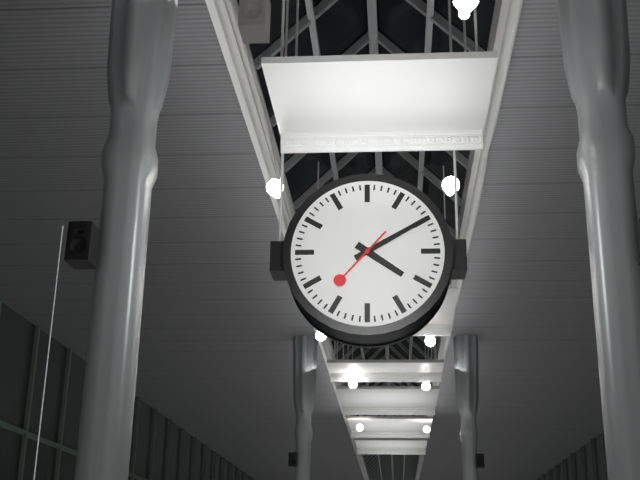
4:10:37
